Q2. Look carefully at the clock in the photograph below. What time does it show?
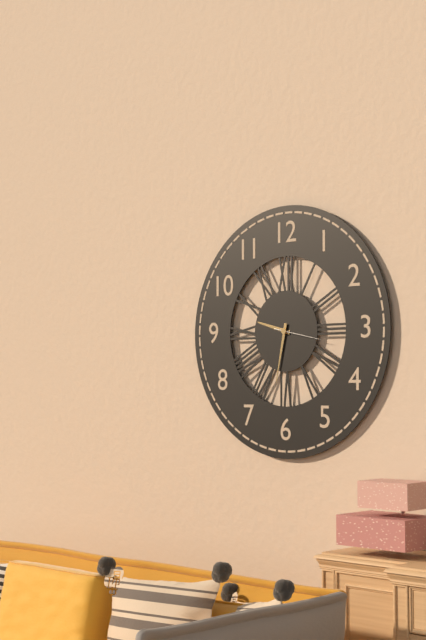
9:32
